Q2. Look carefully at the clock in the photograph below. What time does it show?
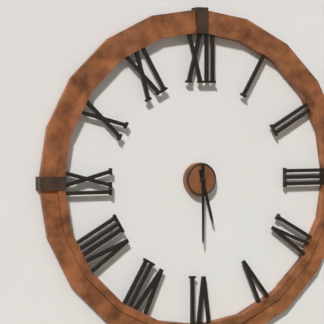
5:30
